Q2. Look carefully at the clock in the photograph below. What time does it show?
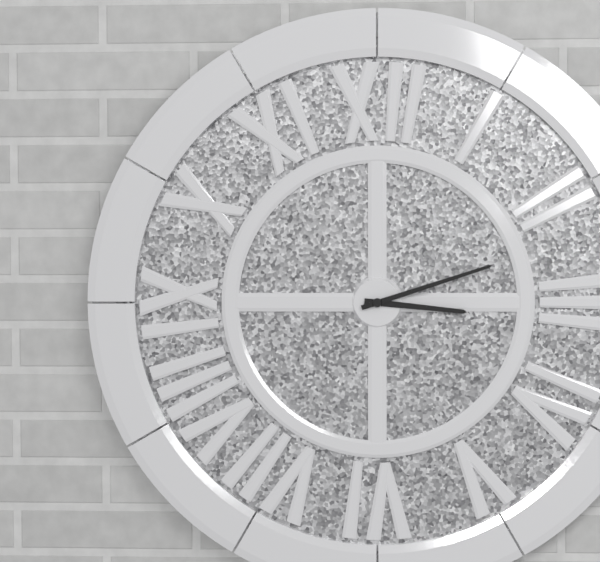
3:12
